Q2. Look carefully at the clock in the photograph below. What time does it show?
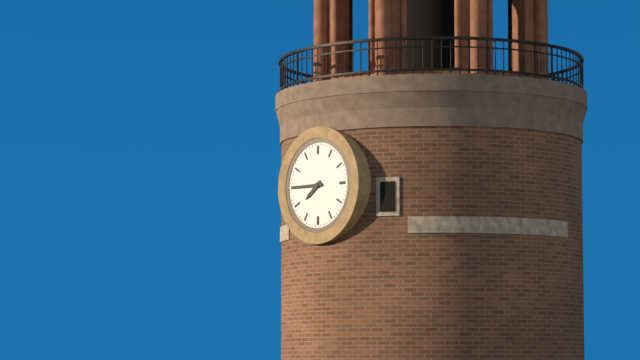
7:45
